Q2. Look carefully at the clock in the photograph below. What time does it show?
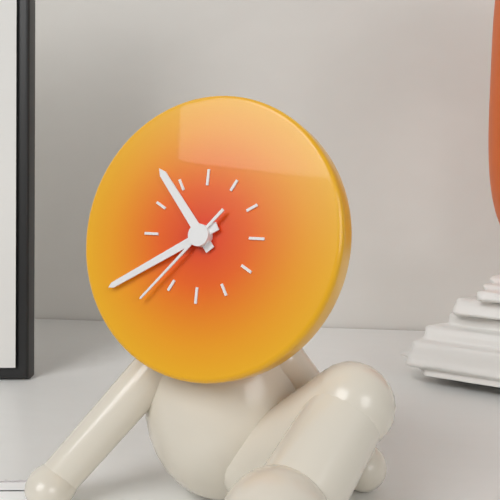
10:40:37
